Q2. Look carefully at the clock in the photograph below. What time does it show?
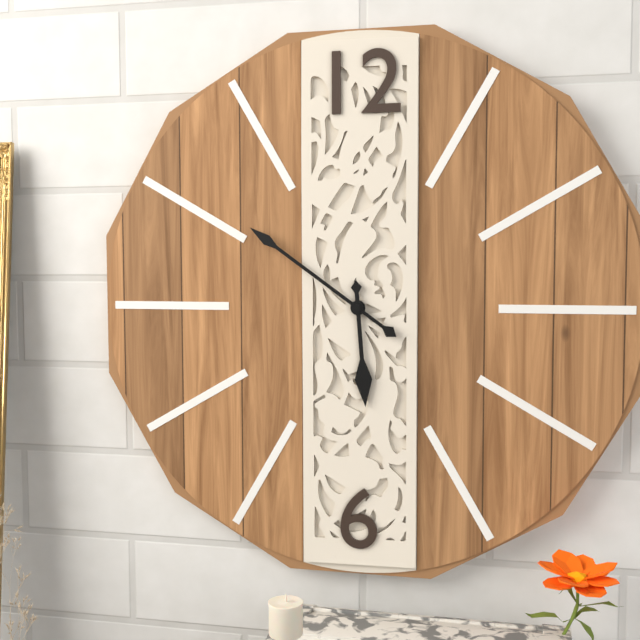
5:51
